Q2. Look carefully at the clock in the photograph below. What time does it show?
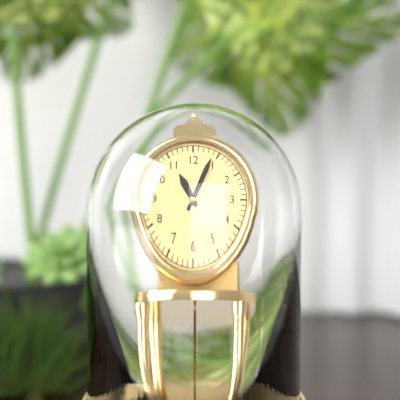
11:04
